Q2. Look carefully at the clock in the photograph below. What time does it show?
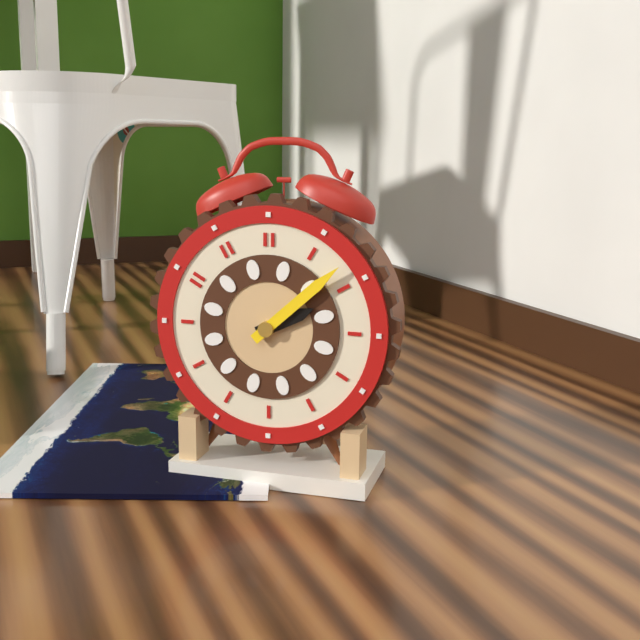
2:08
